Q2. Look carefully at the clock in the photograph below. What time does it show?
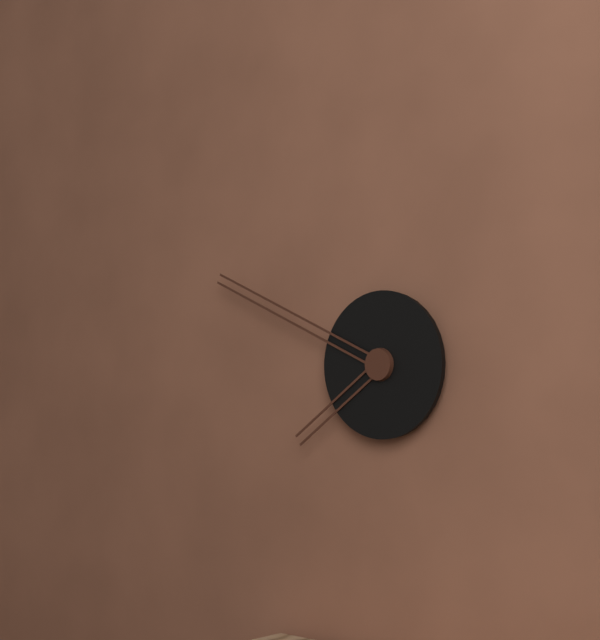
7:49
